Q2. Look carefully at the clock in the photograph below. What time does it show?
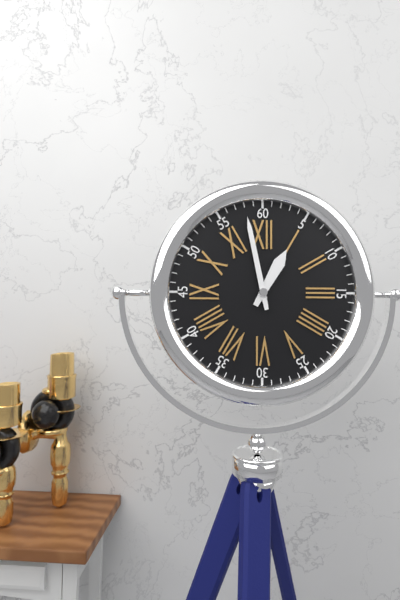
12:58
